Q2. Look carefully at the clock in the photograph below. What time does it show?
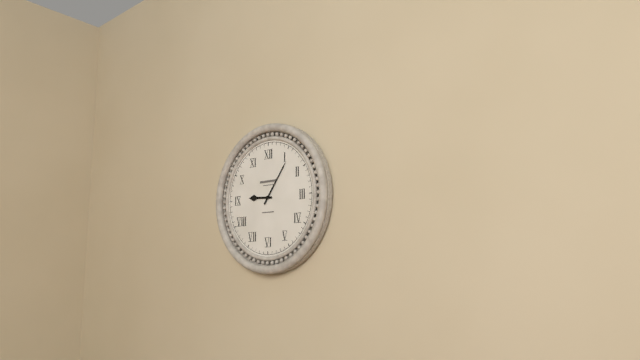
9:06
